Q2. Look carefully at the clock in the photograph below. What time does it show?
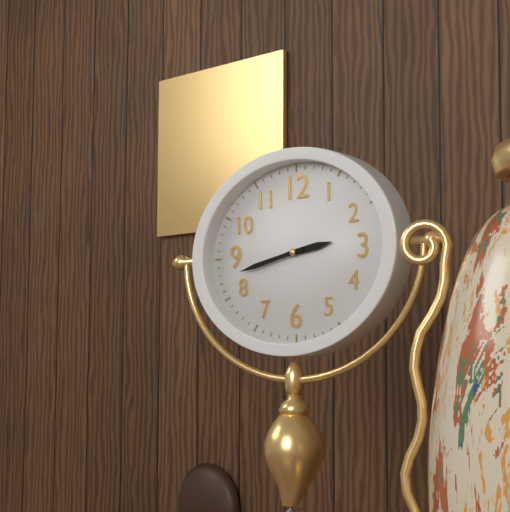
2:43
